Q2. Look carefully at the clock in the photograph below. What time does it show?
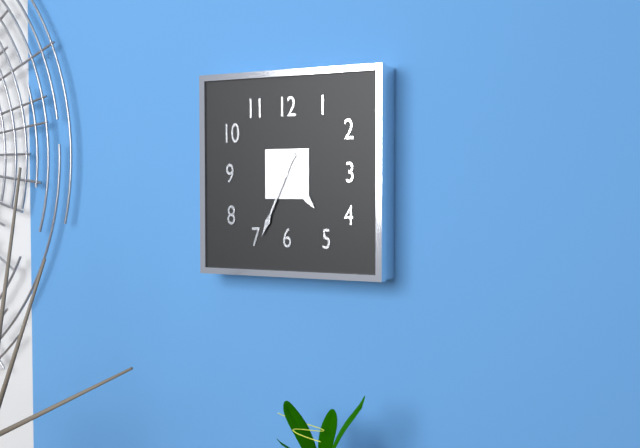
4:34
